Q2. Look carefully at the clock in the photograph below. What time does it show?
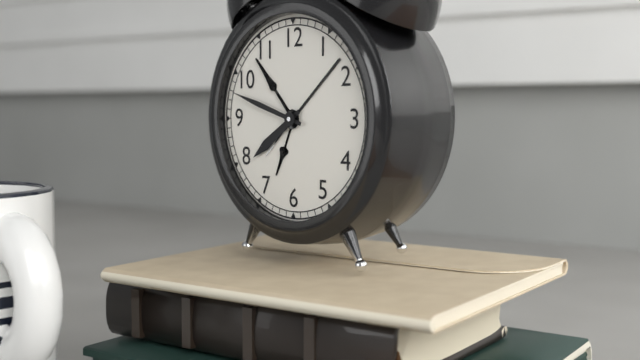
7:48
